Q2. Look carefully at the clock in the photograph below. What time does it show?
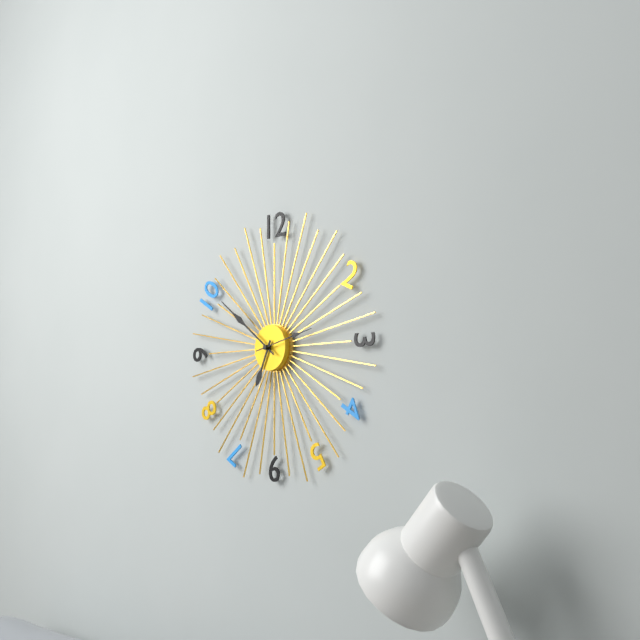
6:51:13
